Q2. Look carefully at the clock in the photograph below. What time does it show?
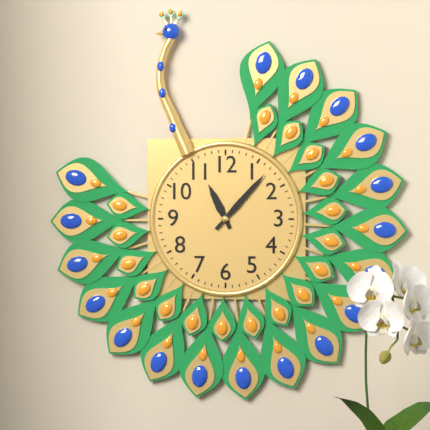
11:07
